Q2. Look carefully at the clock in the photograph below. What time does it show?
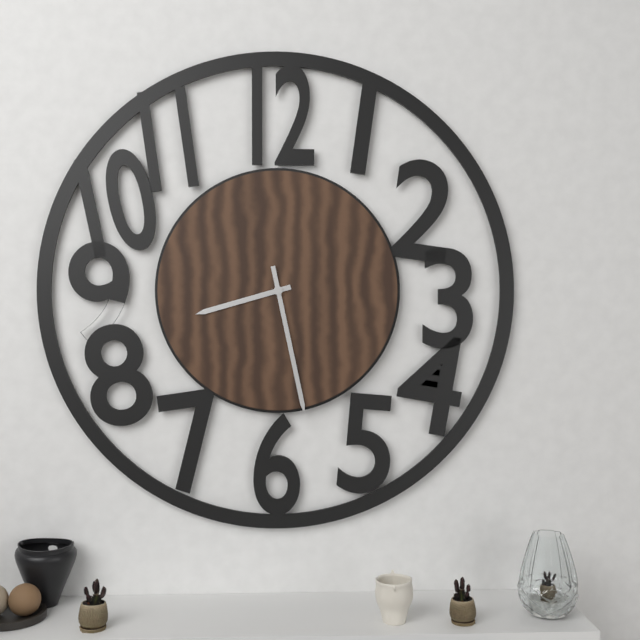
8:28
